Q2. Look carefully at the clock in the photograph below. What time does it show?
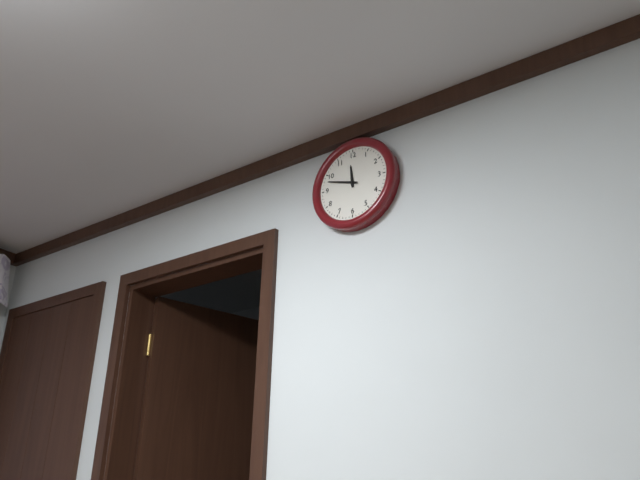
11:48
